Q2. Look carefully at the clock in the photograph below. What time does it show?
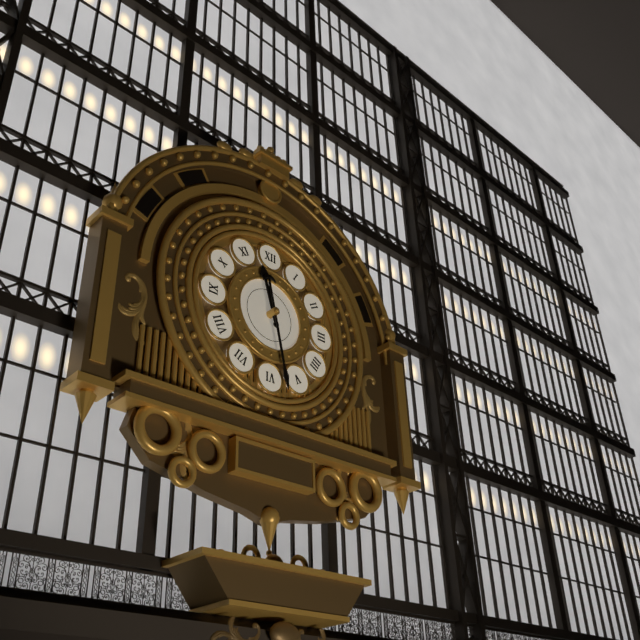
11:28
